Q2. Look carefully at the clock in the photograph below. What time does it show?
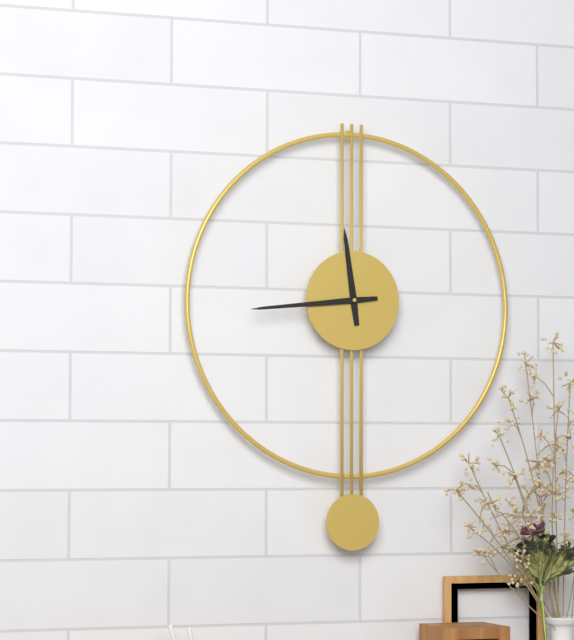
11:44
